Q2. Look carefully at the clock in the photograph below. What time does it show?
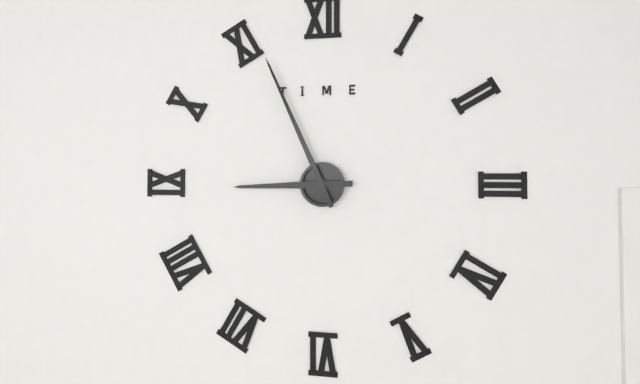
8:56
